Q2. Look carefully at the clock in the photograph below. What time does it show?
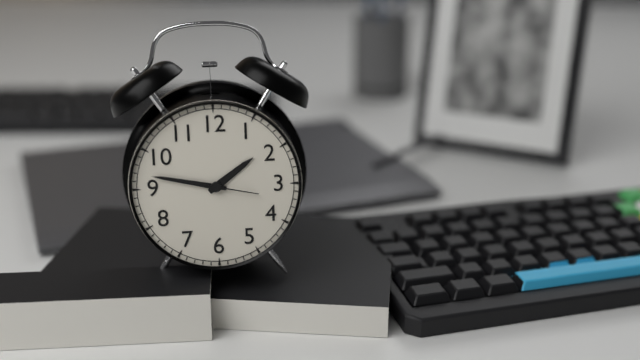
1:47:17
